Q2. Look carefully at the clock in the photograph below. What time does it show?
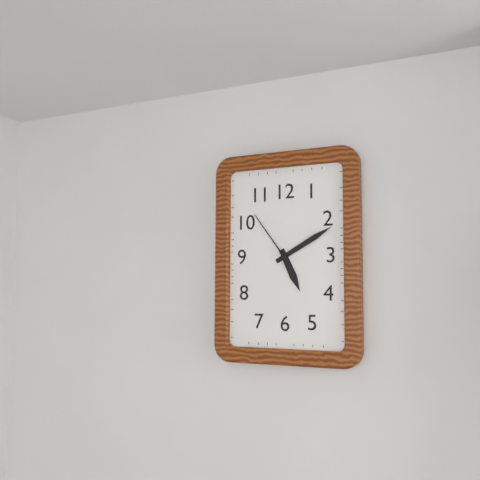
5:10:54
